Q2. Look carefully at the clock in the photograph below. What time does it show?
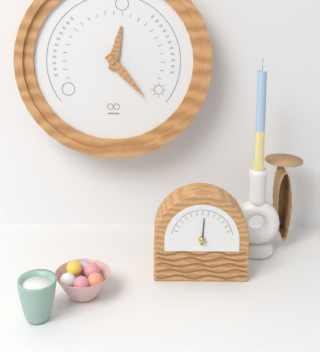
12:23
